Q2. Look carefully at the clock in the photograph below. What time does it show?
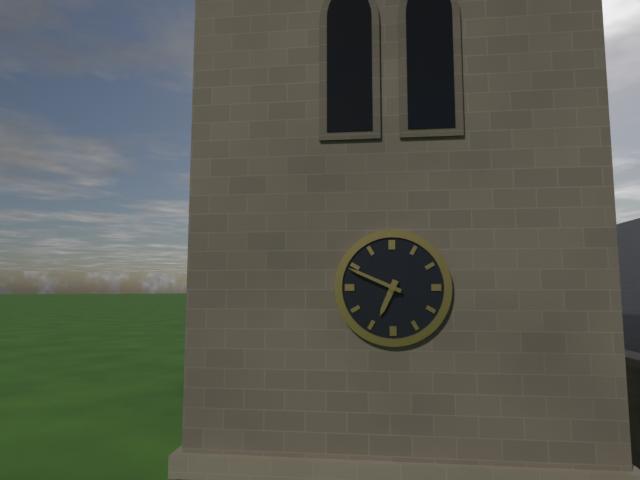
6:49
